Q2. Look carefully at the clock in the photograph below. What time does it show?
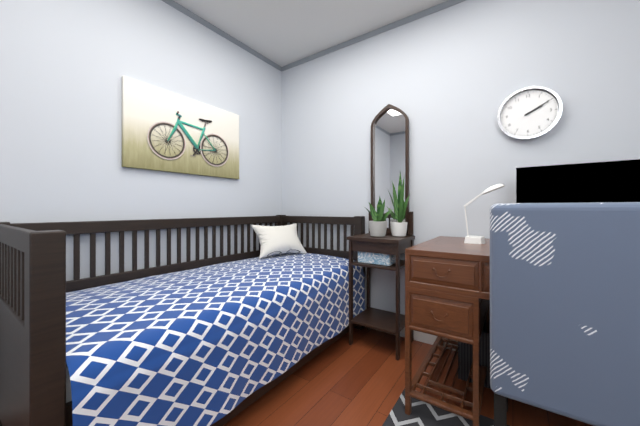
2:10
